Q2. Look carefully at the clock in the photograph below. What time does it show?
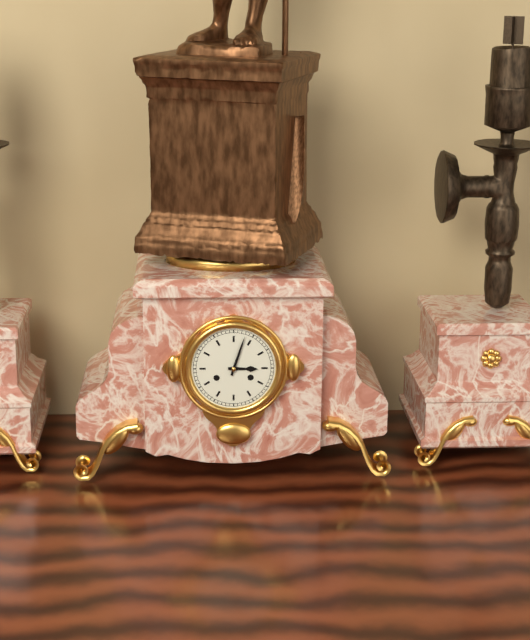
3:03
